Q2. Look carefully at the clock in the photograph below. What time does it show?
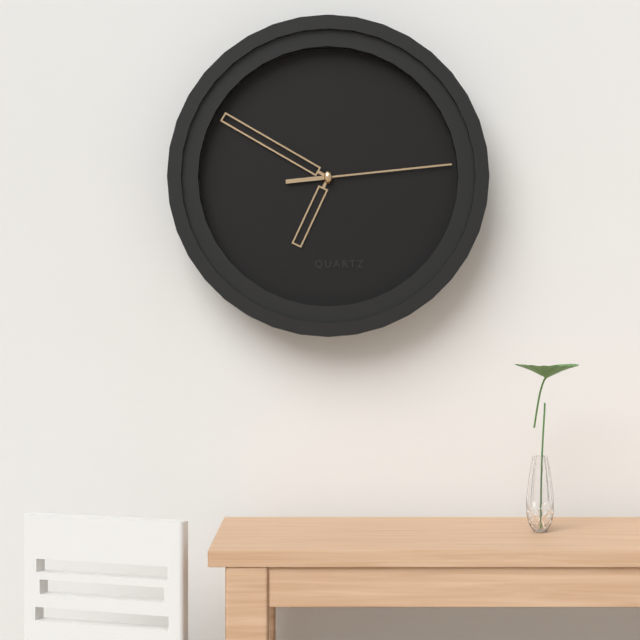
6:50:14
